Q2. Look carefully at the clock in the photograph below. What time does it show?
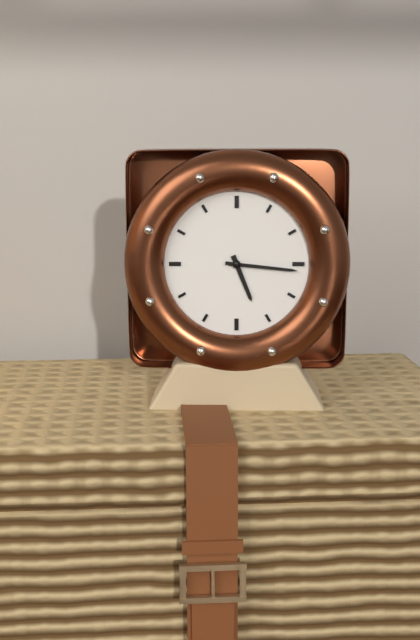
5:16
